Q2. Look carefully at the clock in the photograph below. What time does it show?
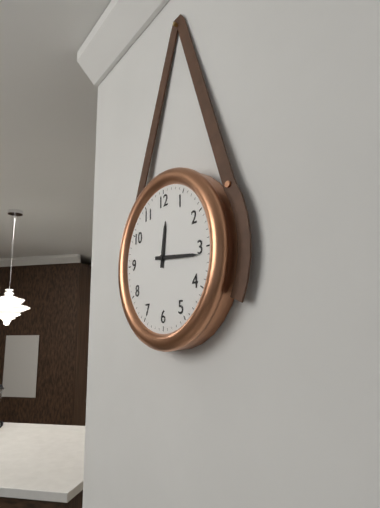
12:16
